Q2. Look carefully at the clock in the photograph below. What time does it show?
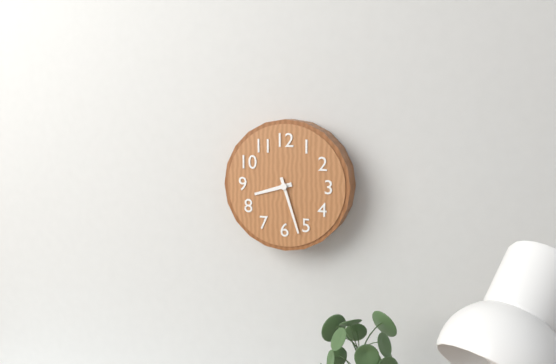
8:27
